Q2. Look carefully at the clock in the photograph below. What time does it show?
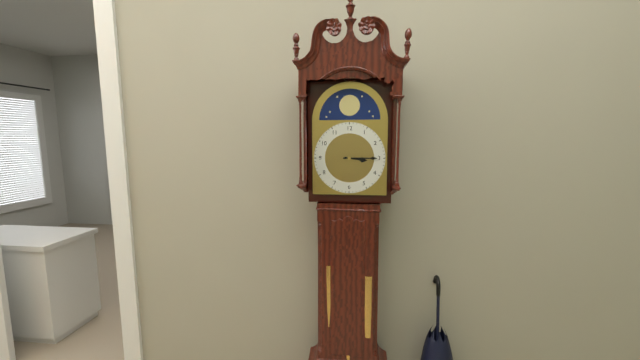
3:15
